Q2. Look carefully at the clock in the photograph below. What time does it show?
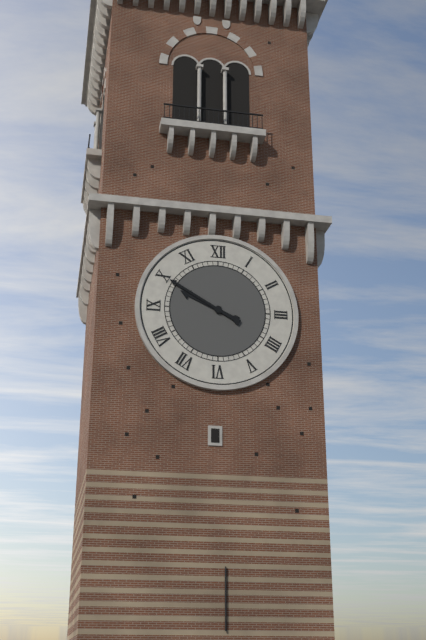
9:50
